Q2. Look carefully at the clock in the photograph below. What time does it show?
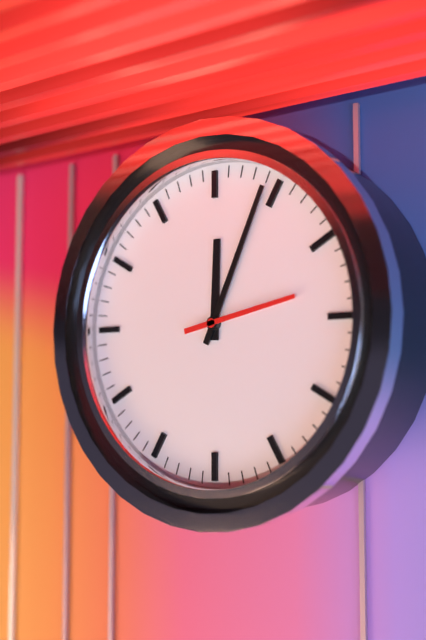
12:04:13
